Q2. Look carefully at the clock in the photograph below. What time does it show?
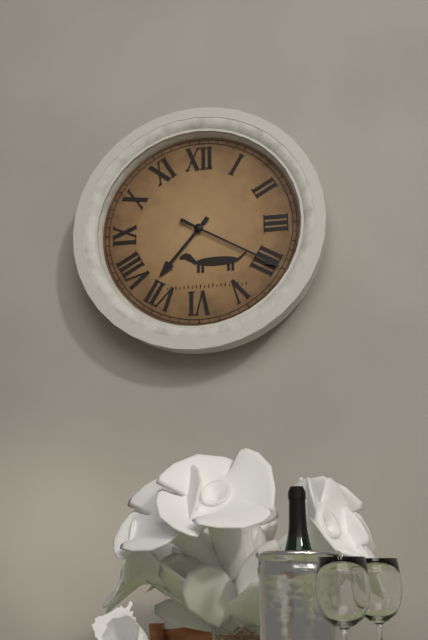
7:20
